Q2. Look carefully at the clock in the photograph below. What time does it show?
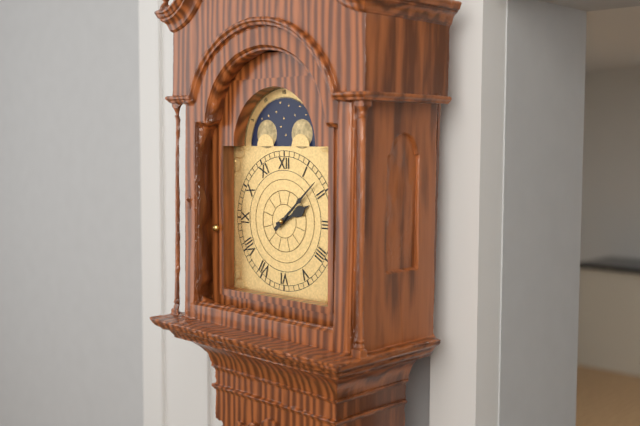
2:08
